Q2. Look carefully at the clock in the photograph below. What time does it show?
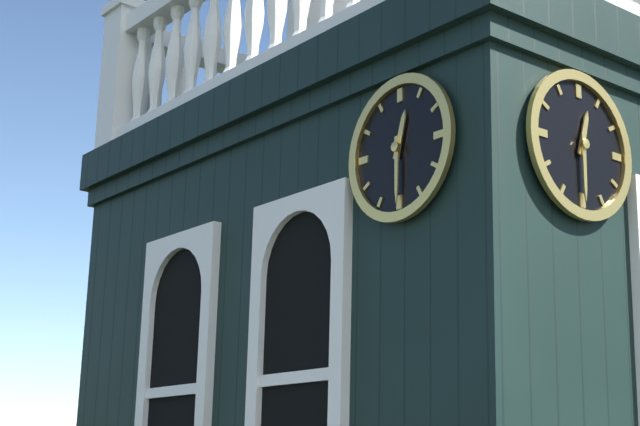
12:30
